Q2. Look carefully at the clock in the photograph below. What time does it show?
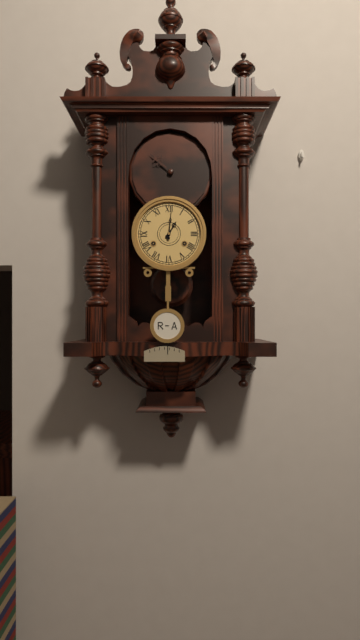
1:01
